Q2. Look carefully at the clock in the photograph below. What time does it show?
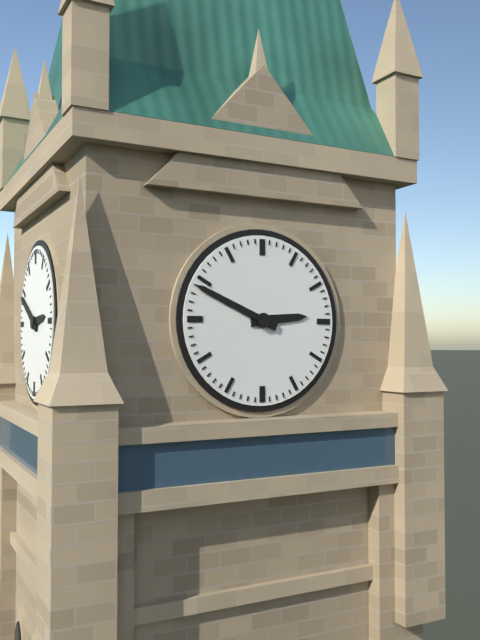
2:49
